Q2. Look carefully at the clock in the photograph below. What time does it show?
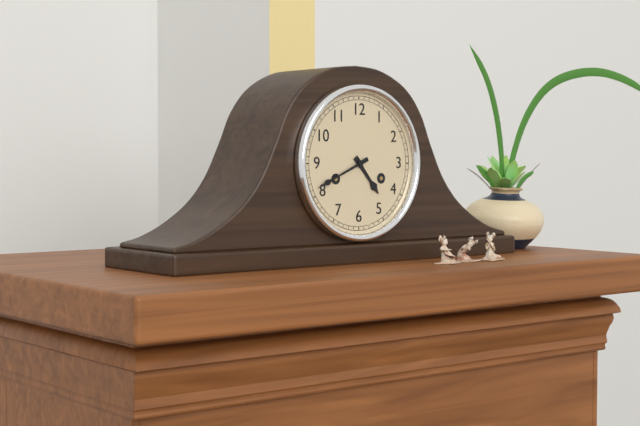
4:41
